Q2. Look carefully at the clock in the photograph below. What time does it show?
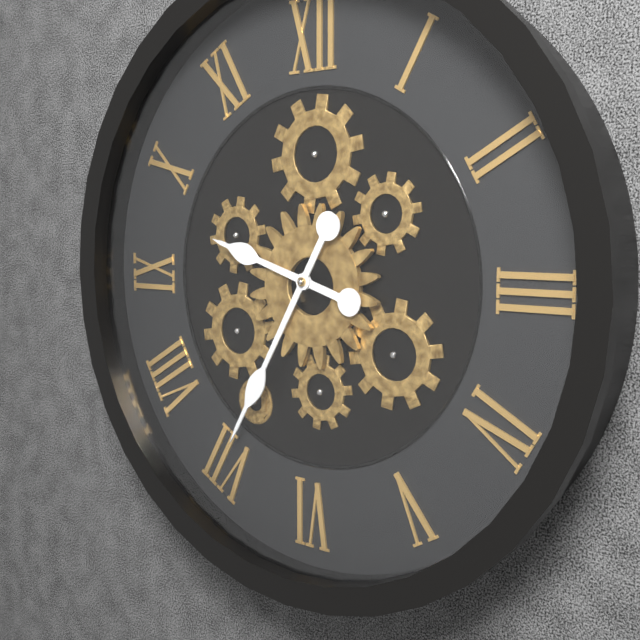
9:35
